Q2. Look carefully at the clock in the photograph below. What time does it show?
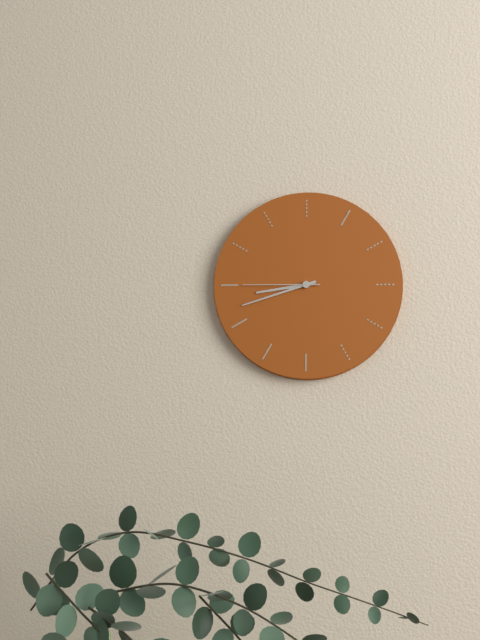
8:42:45
